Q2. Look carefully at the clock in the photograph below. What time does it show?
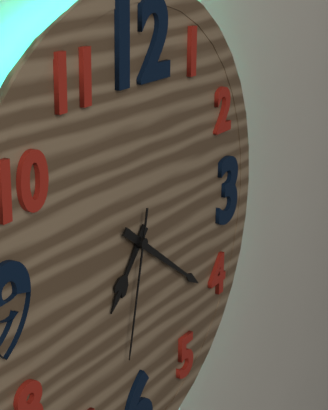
7:21:32
